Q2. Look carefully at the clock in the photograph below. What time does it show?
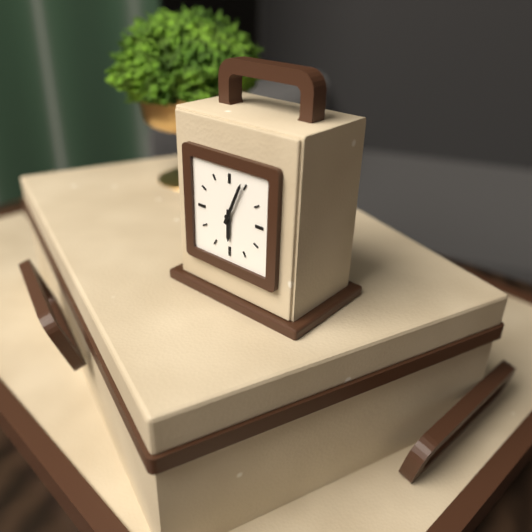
6:04
